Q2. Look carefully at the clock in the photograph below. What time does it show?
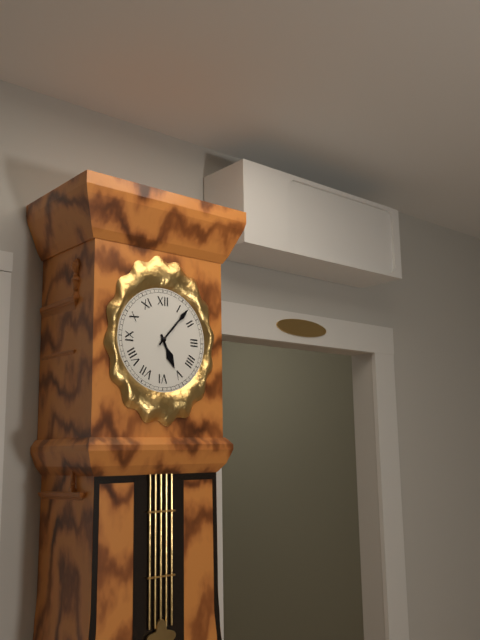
5:07
